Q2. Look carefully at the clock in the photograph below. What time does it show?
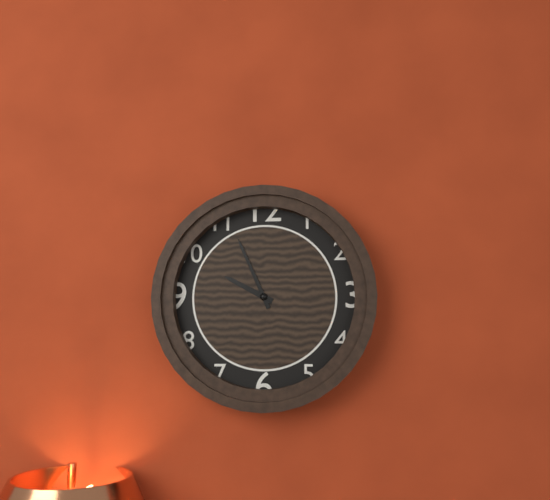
9:56
